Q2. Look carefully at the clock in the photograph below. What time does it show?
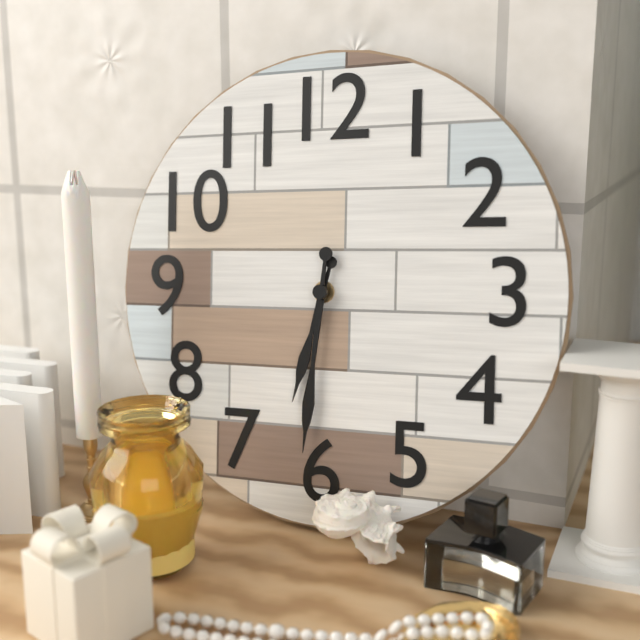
6:31
